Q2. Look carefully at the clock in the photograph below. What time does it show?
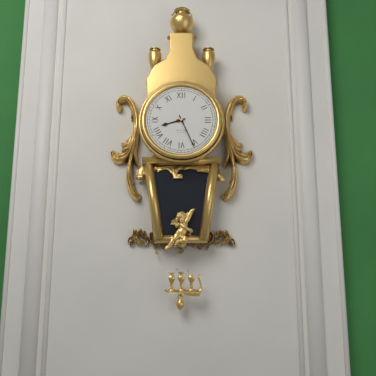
8:26
